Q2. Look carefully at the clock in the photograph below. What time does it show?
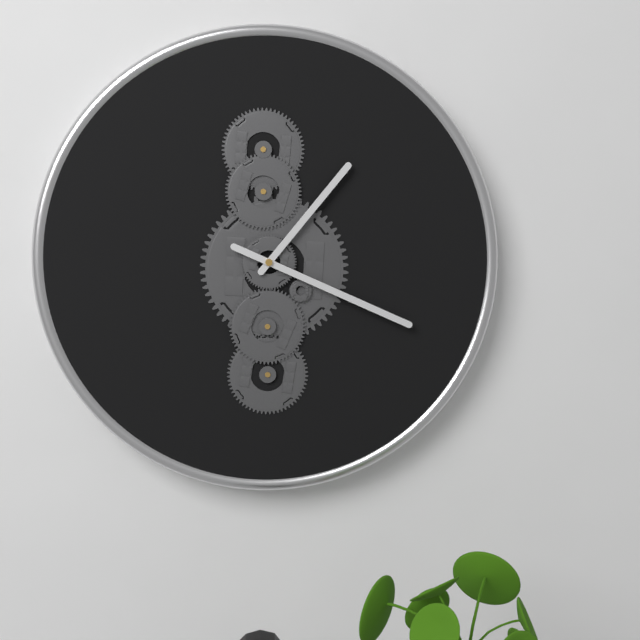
1:19
